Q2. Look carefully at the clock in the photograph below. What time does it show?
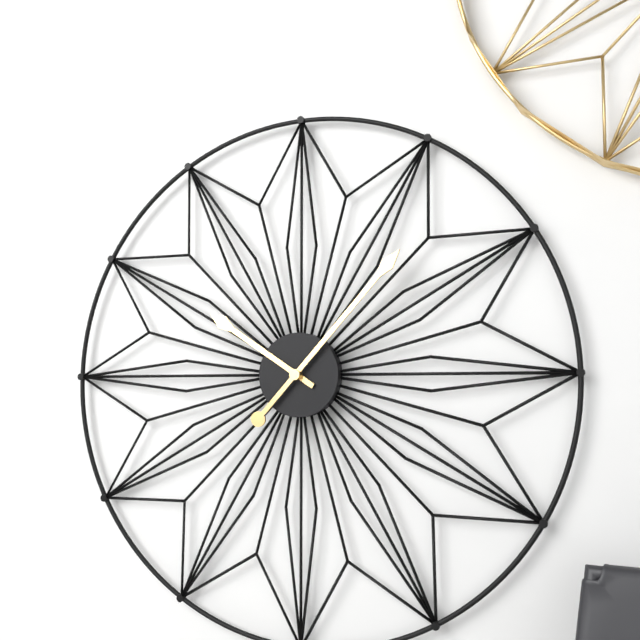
10:07
